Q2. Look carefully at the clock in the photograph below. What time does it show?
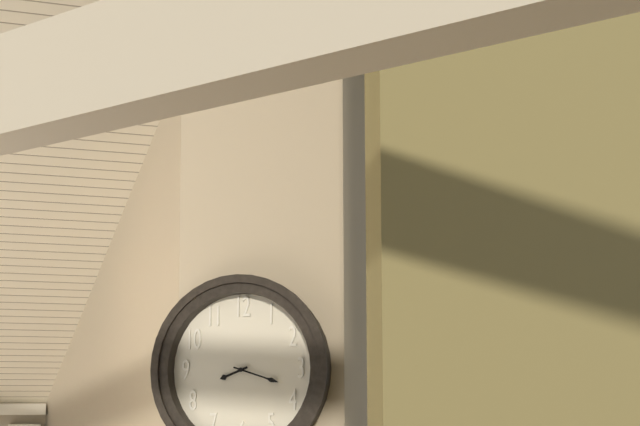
8:18
